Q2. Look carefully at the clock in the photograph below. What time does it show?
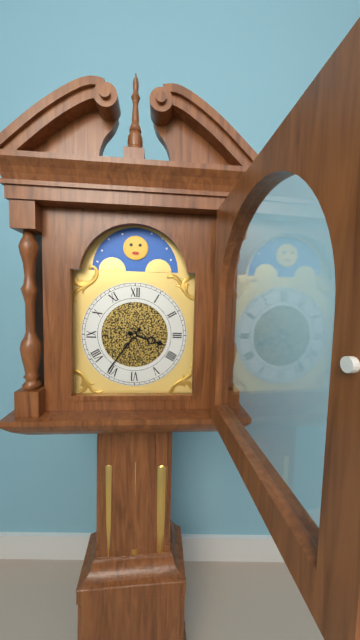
3:36
